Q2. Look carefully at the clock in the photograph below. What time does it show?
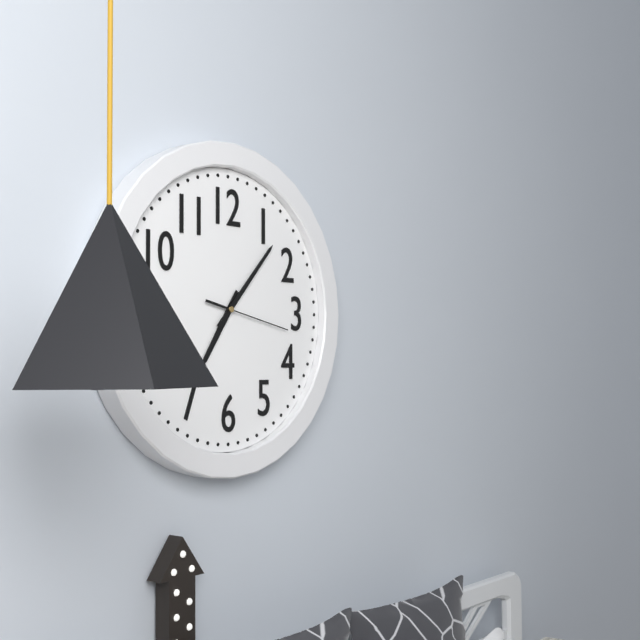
7:07:17
